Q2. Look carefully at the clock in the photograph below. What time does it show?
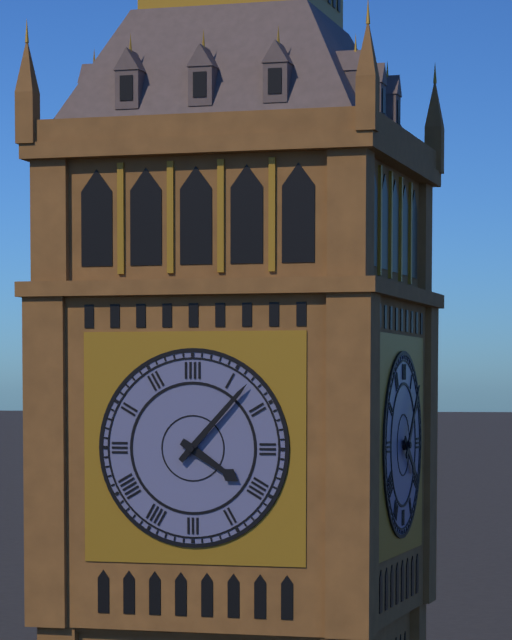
4:07
